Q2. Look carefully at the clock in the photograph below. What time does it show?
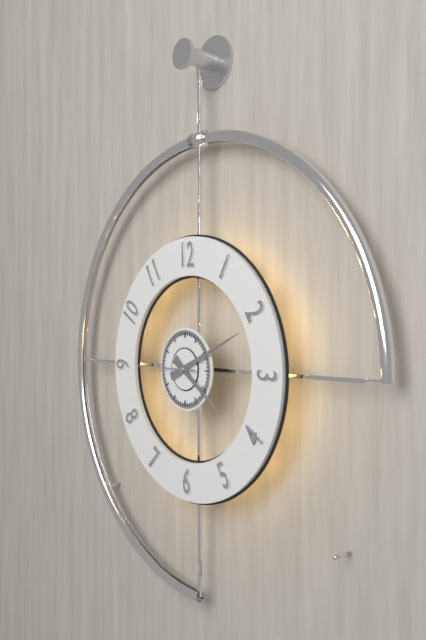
4:11:45
